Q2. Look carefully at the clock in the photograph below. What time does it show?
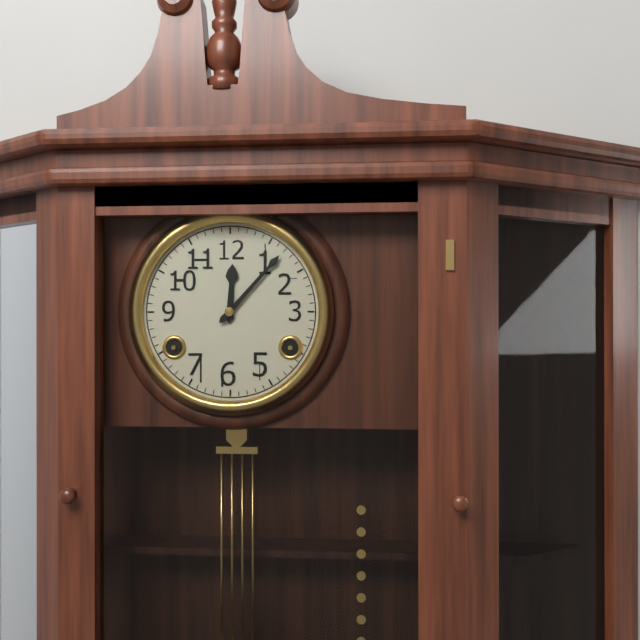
12:07
